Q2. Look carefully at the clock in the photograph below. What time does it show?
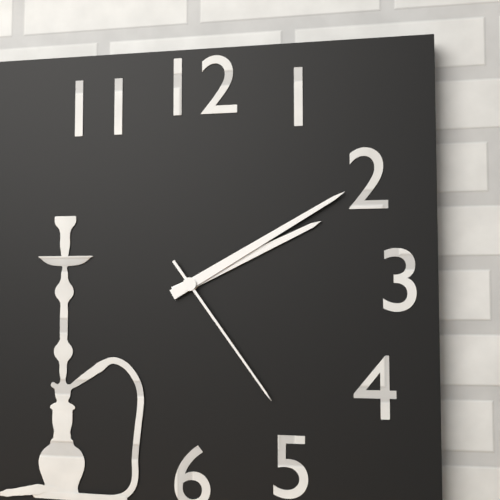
2:10:24
